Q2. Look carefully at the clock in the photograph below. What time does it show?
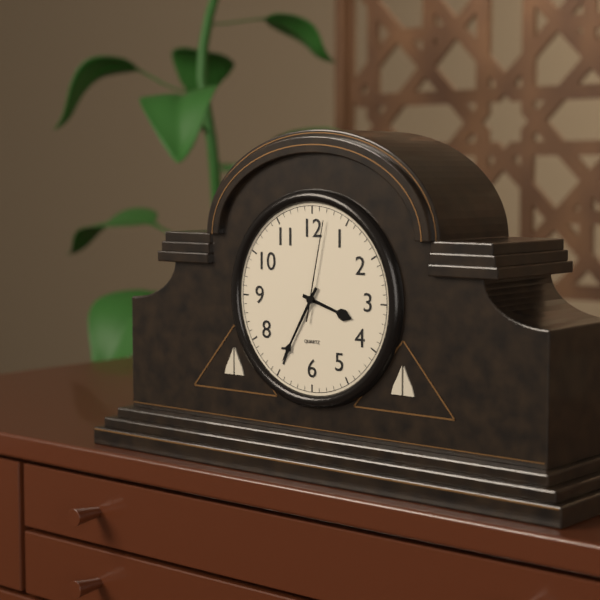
3:35:02
